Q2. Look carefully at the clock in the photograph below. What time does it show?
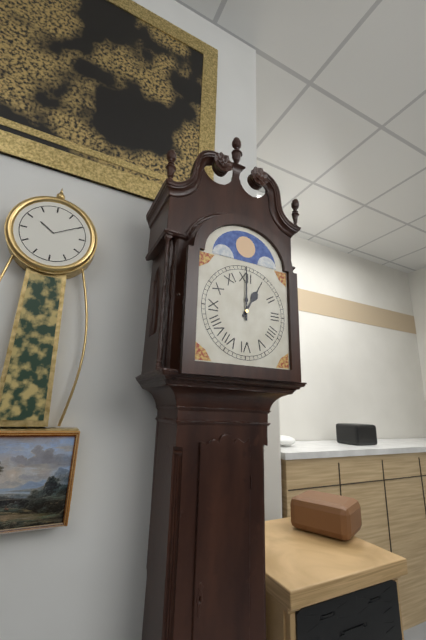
1:00
